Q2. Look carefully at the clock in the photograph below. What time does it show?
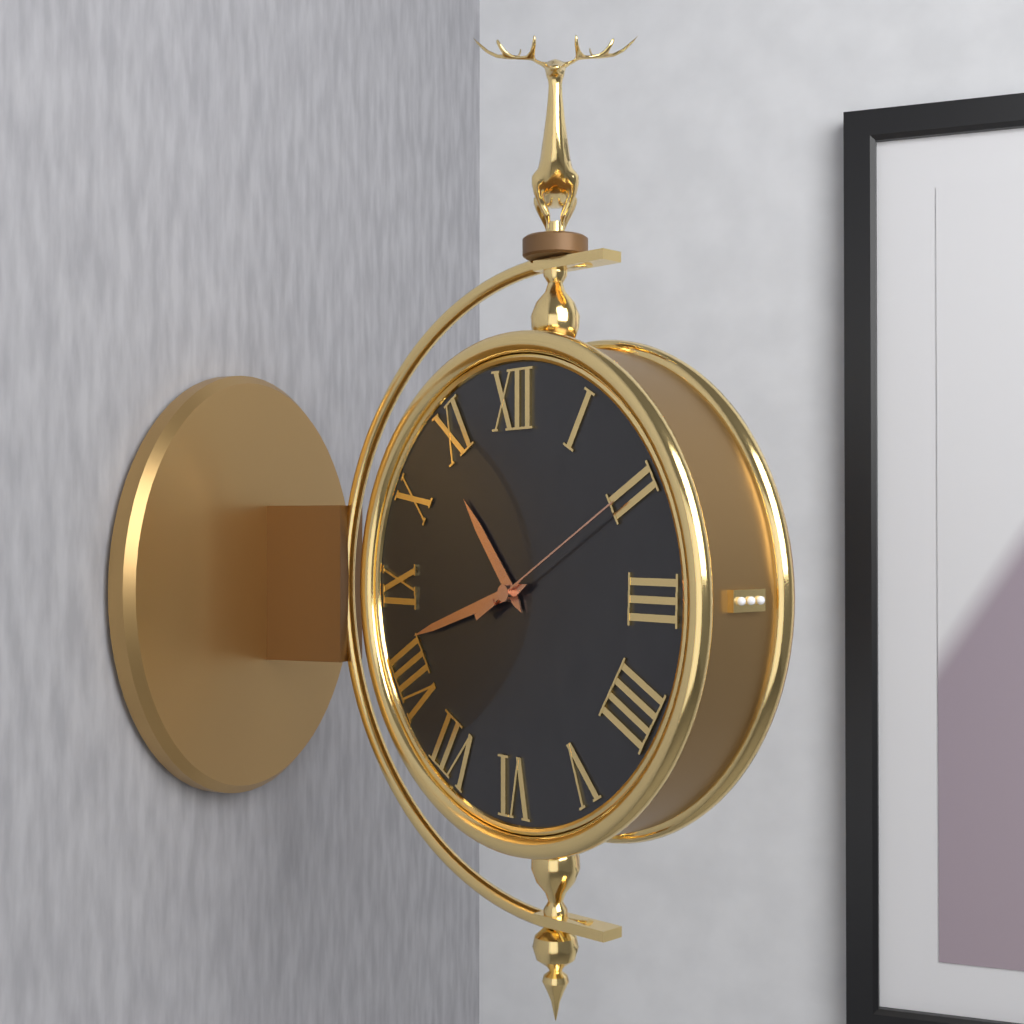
10:42:10
